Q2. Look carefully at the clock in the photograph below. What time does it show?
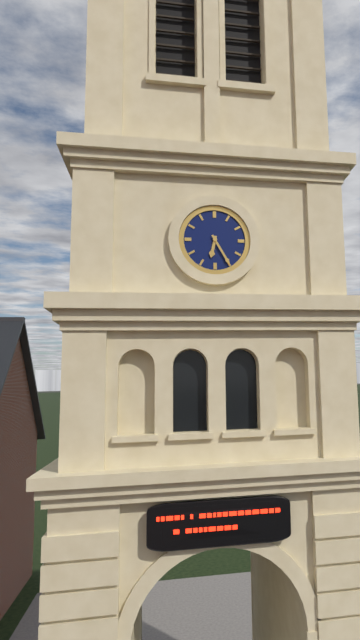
6:25
